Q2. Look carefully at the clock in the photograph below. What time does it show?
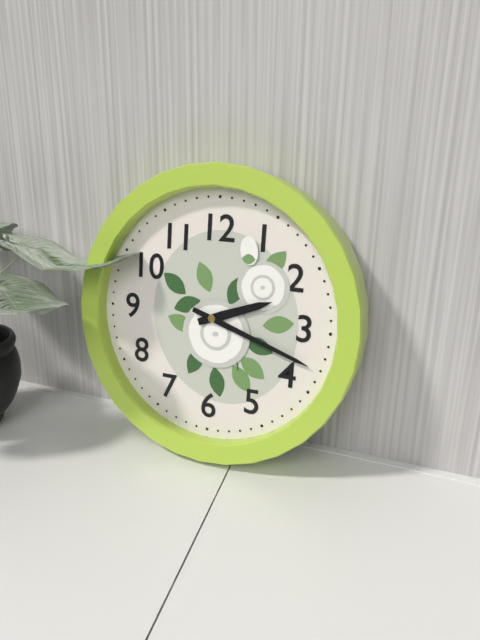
2:18
